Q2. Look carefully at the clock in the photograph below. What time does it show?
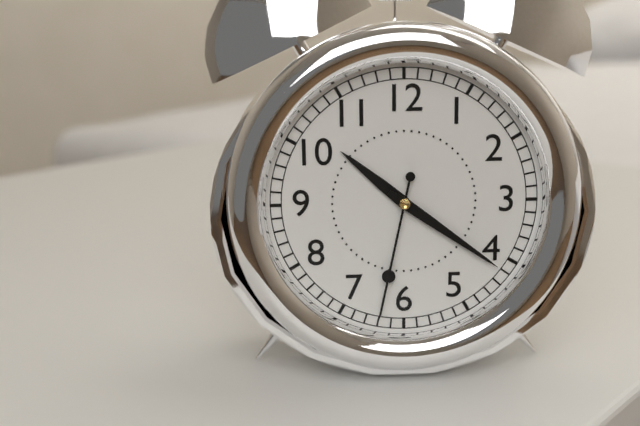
10:21:32
